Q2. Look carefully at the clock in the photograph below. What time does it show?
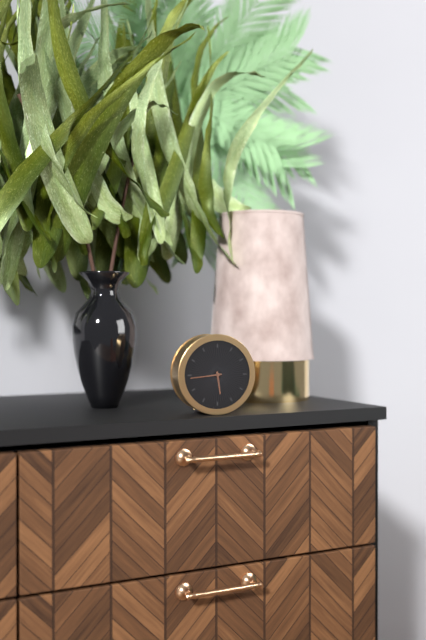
5:44
